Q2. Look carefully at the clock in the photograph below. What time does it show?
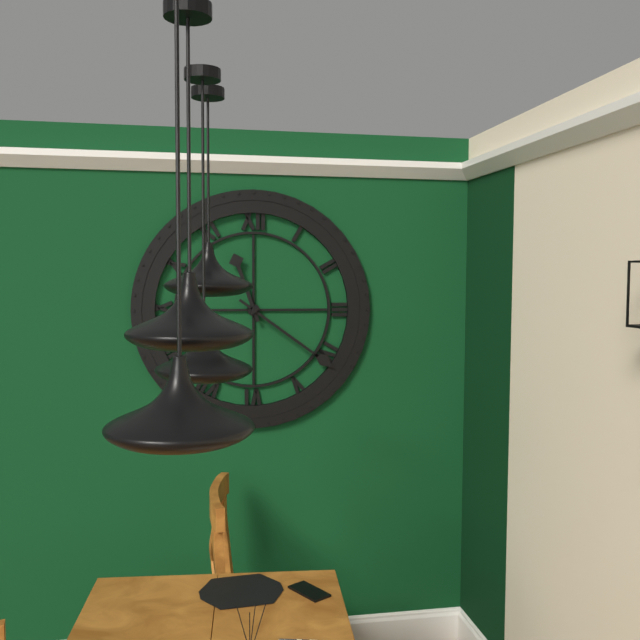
11:21
